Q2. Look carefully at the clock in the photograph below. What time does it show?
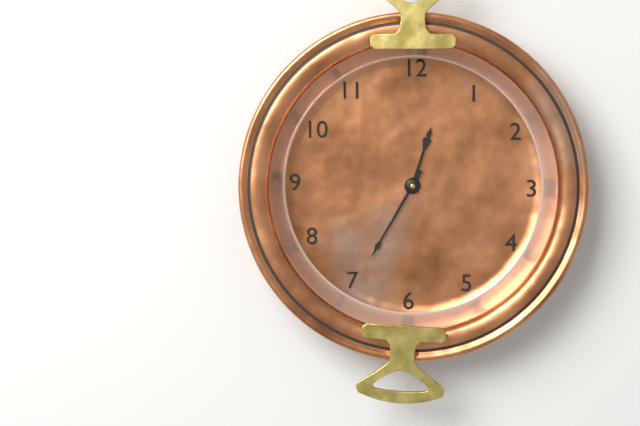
12:35
